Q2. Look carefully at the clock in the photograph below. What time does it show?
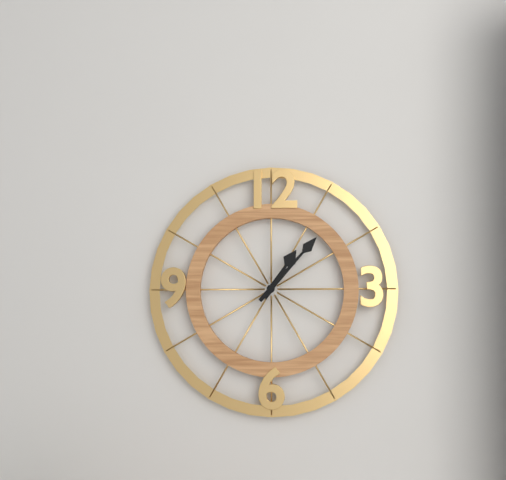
1:07
